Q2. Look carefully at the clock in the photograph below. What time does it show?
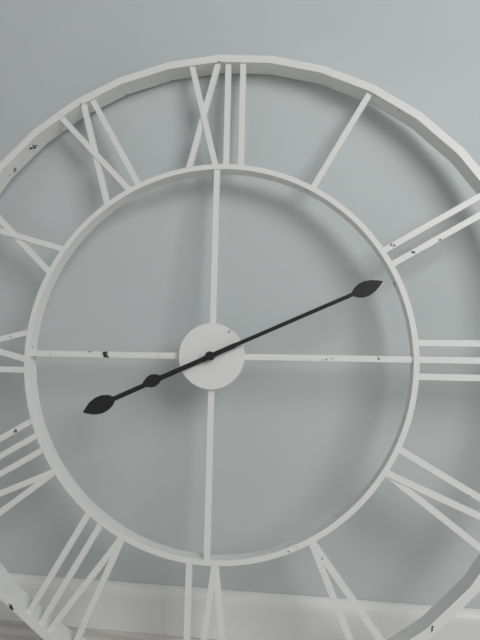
8:11
